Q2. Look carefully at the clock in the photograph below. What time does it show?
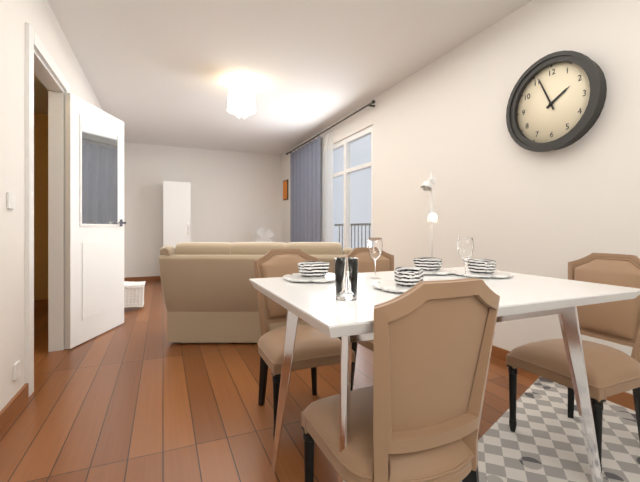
1:56
